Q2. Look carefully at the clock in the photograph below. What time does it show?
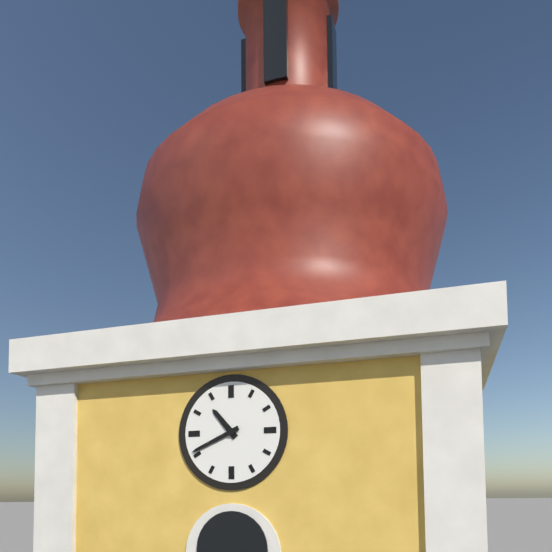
10:41
